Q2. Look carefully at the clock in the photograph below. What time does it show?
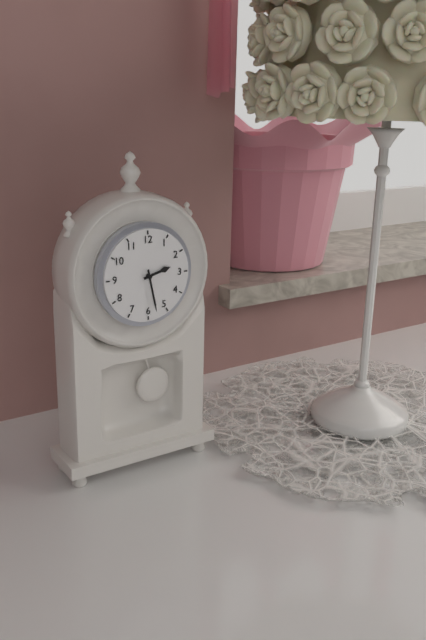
2:28
